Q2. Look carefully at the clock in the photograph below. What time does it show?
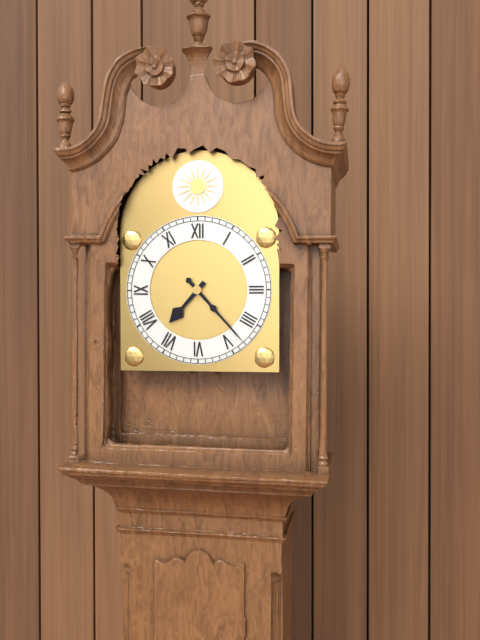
7:23
